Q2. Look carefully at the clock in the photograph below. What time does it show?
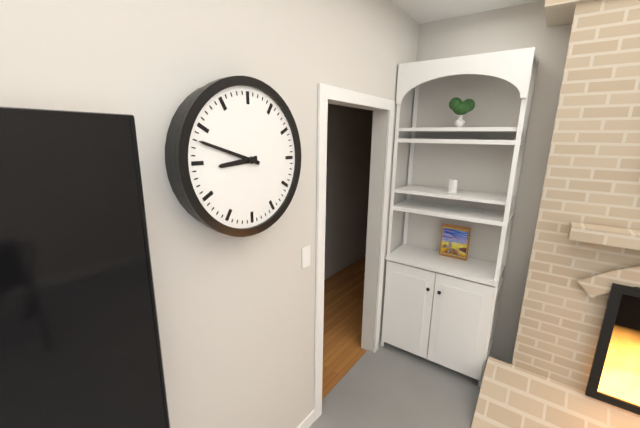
8:48
